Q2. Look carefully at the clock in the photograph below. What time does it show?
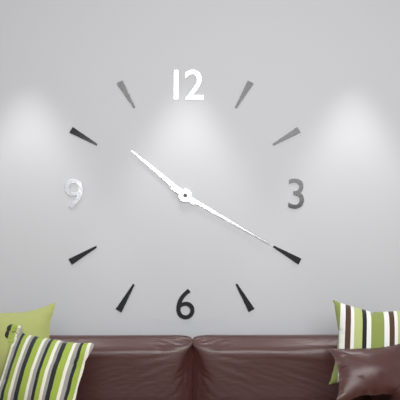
10:20
